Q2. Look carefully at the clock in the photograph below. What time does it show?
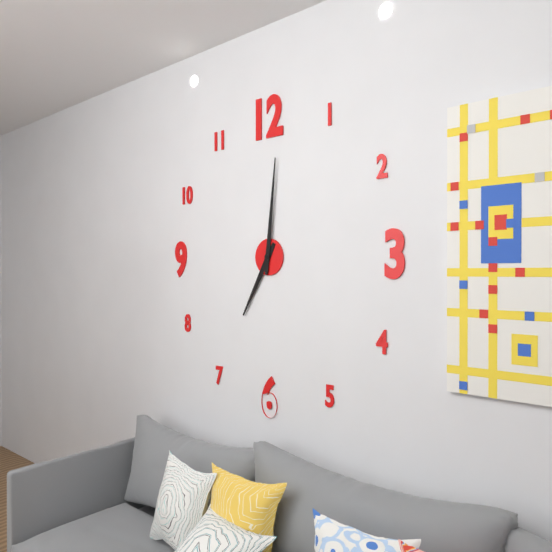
7:01
